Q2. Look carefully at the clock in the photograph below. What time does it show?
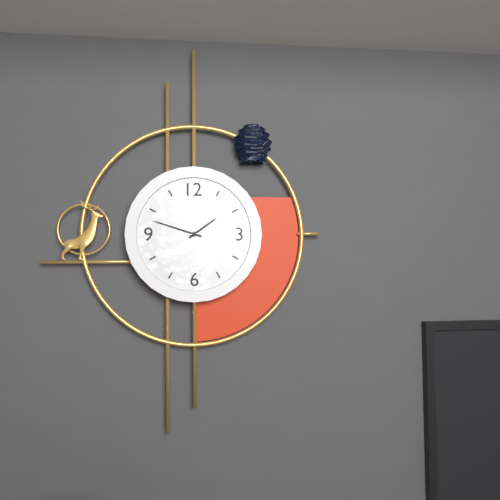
1:48:14
